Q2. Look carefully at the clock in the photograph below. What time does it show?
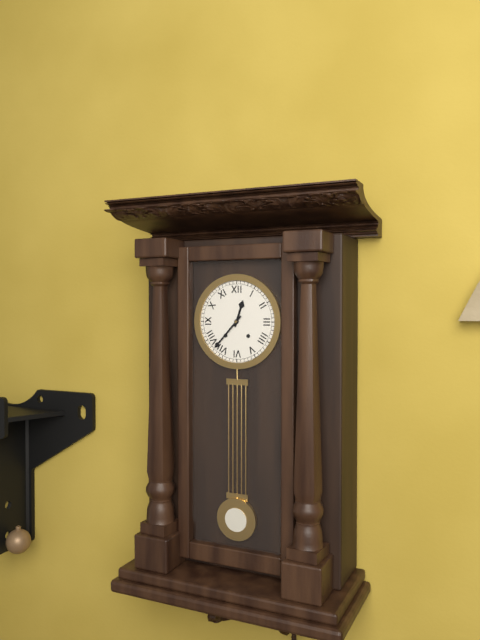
12:37
